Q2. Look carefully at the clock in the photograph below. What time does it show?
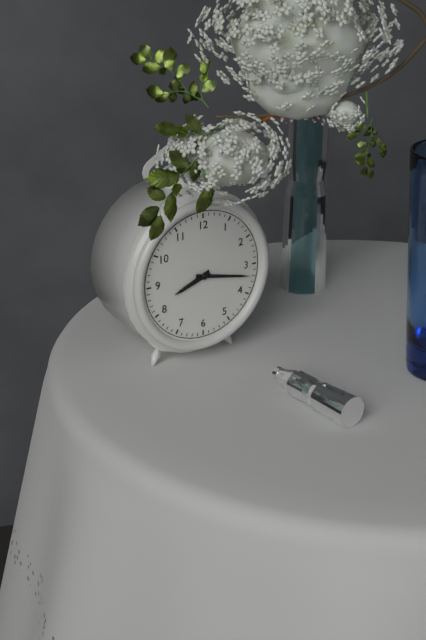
8:17
